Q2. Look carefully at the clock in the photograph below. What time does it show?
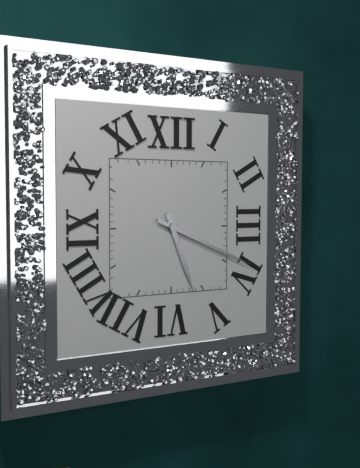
5:19
